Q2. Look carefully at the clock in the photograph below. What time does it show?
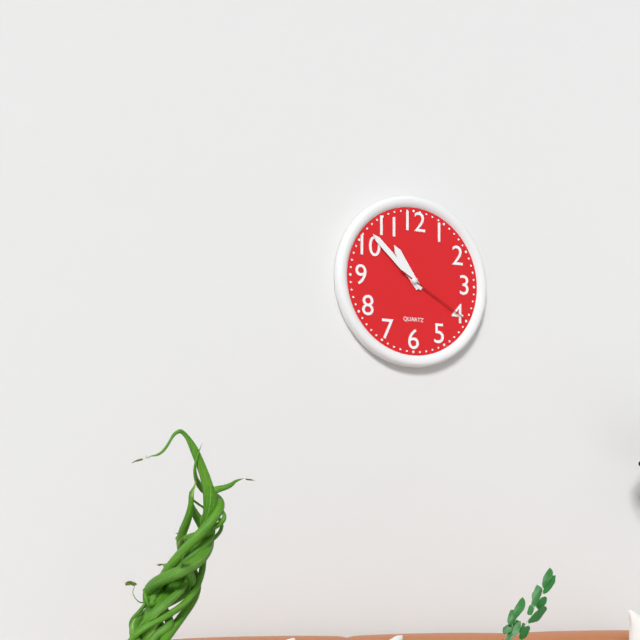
10:52:20
